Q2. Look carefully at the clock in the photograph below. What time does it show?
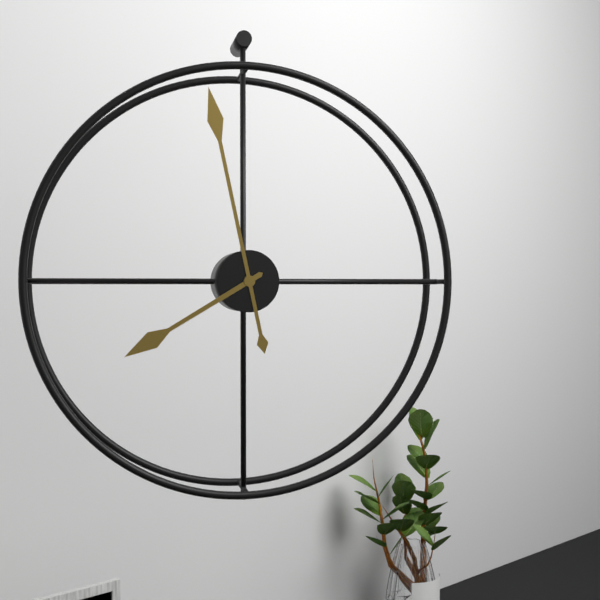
7:58
